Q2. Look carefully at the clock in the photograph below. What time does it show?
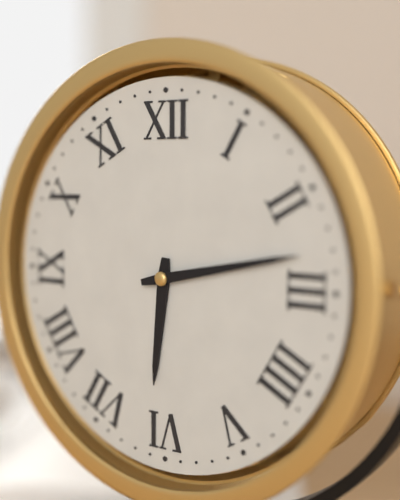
6:13
